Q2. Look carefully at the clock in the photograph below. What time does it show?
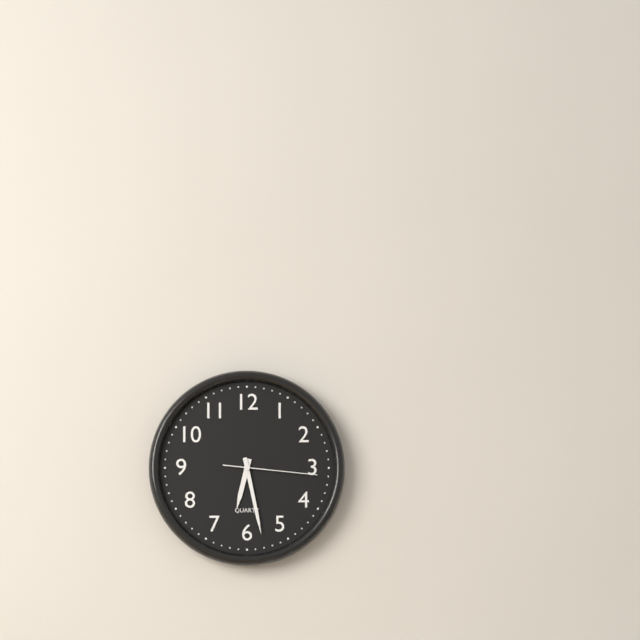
6:28:16
